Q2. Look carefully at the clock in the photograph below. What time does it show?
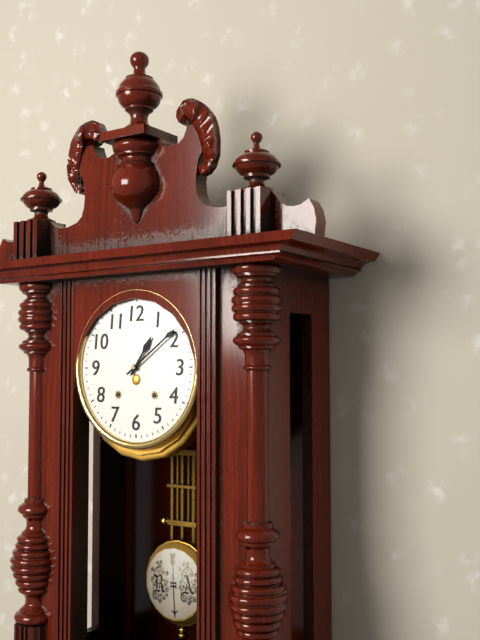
1:09
